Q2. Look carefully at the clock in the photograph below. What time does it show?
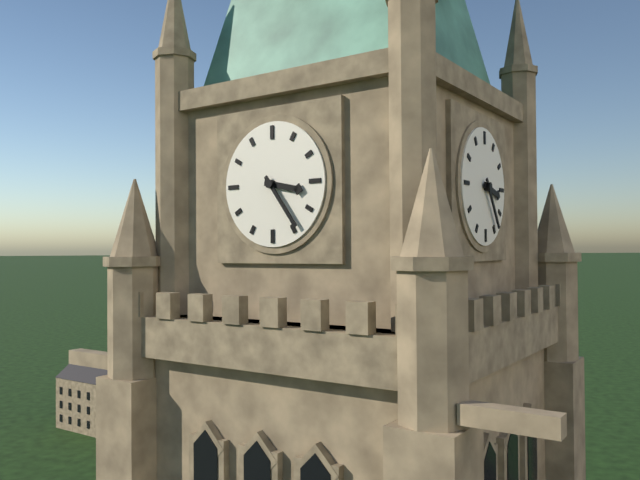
3:24
